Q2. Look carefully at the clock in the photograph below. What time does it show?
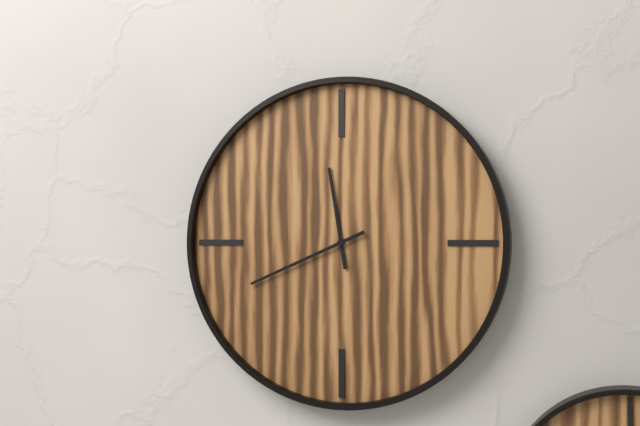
11:41
